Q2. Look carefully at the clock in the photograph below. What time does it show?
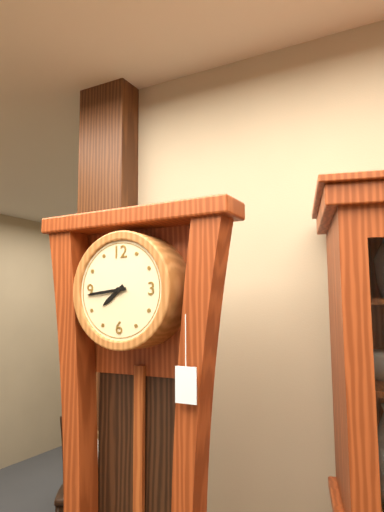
7:44
